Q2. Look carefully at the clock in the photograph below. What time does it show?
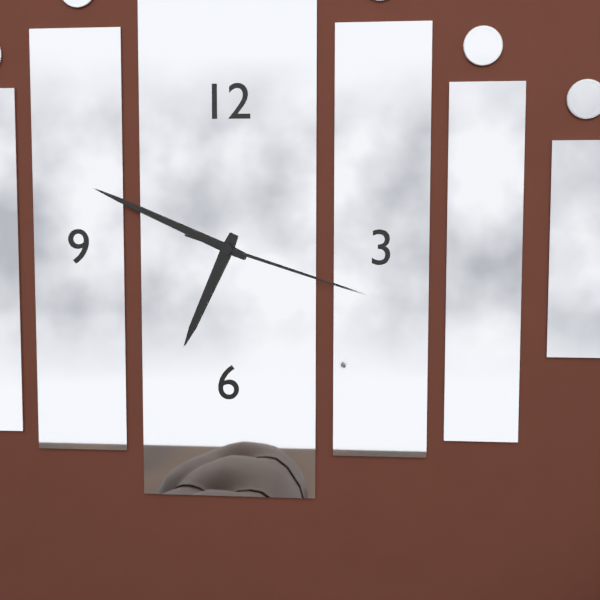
6:49:18
